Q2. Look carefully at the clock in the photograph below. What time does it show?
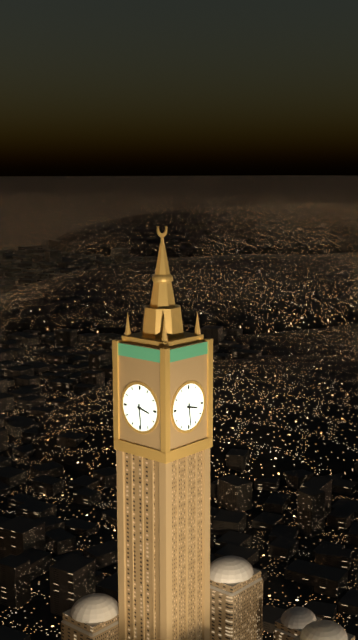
3:29
